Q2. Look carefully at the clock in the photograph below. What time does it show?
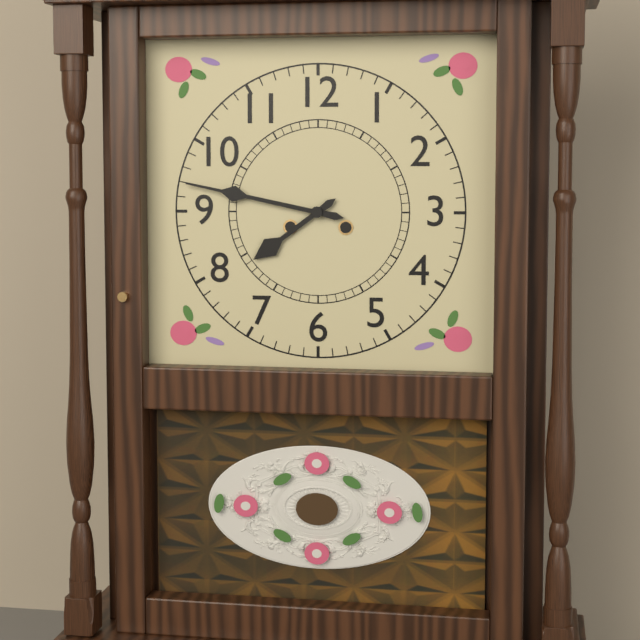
7:47
